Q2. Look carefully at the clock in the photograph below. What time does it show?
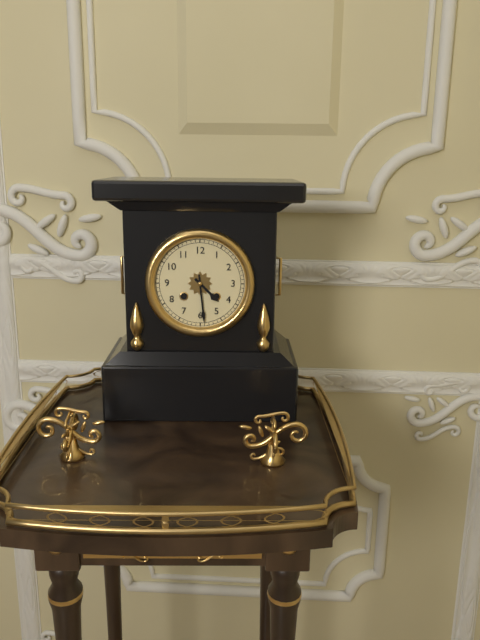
4:29
